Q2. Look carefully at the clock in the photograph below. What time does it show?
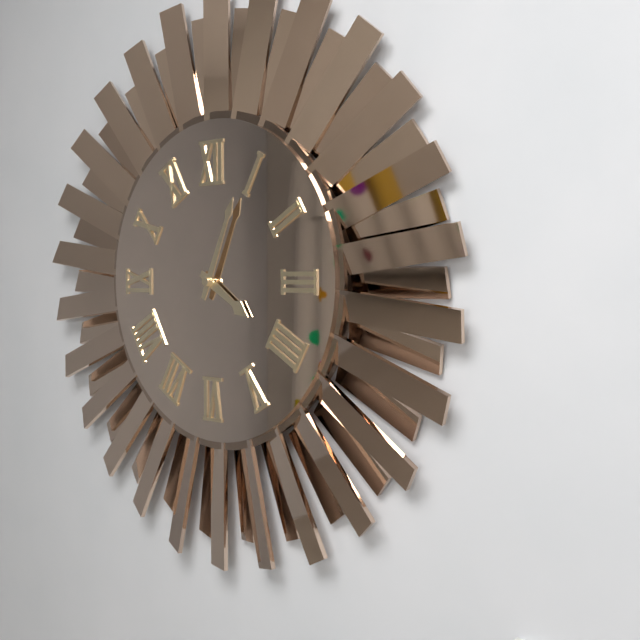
4:04
